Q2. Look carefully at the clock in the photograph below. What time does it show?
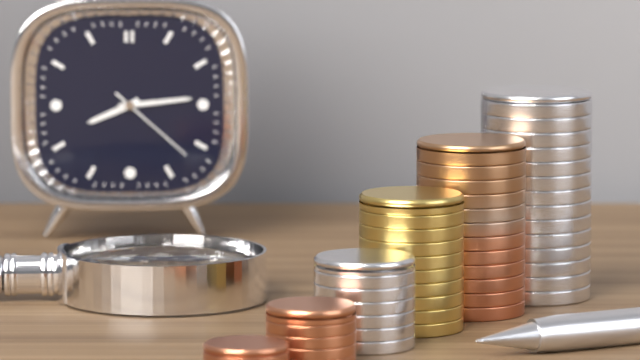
8:14:22
